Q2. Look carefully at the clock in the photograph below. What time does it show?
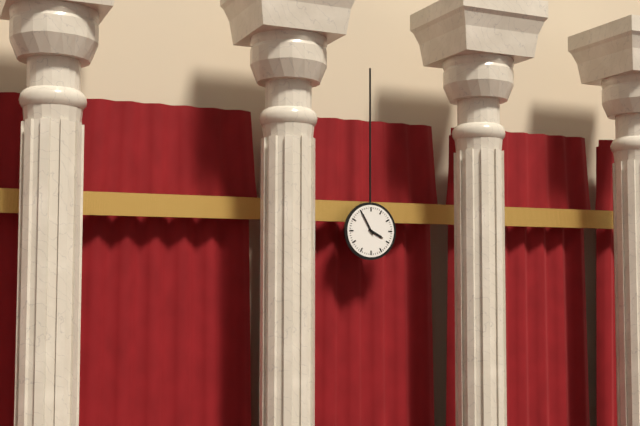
3:55
